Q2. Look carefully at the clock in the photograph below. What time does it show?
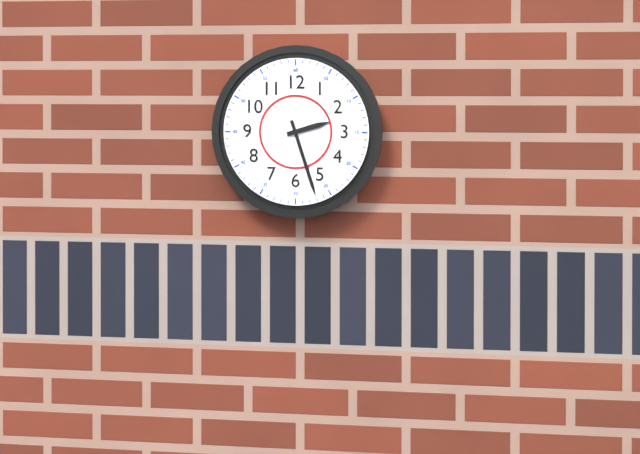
2:27
